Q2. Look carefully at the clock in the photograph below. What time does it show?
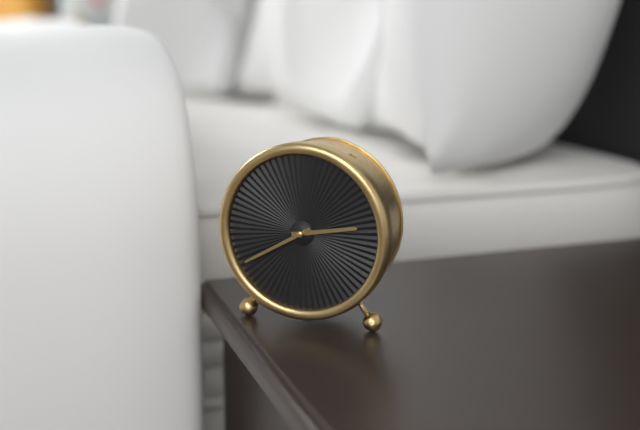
2:40
